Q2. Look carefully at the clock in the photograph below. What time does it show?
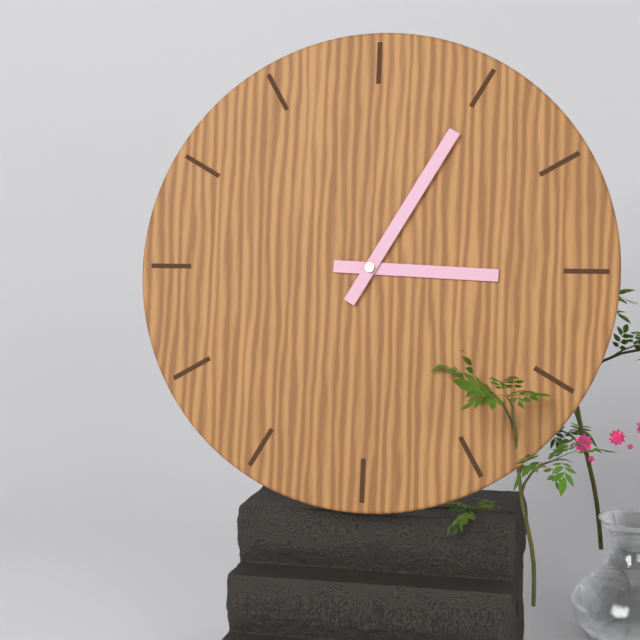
3:05
